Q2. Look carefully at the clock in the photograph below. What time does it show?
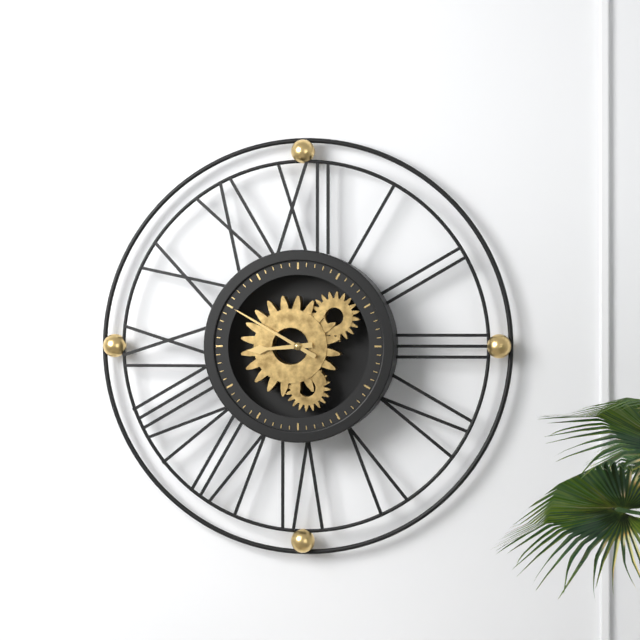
8:50
